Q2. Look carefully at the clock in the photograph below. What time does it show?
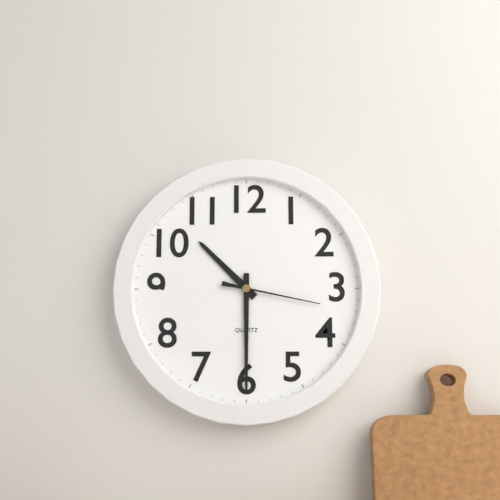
10:30:17
